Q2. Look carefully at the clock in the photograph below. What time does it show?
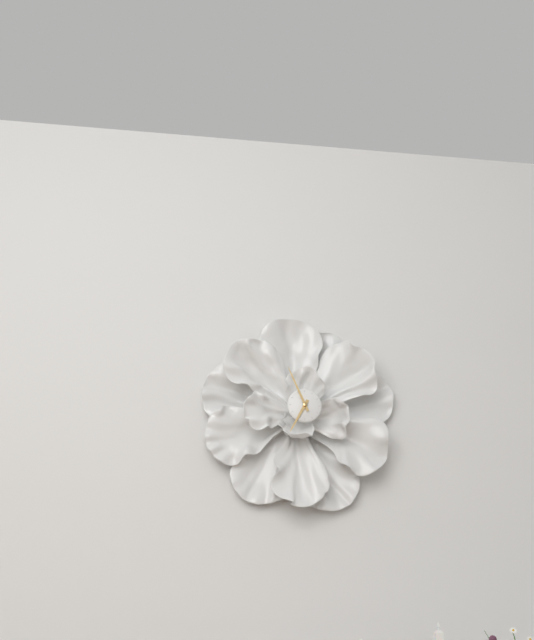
6:56
